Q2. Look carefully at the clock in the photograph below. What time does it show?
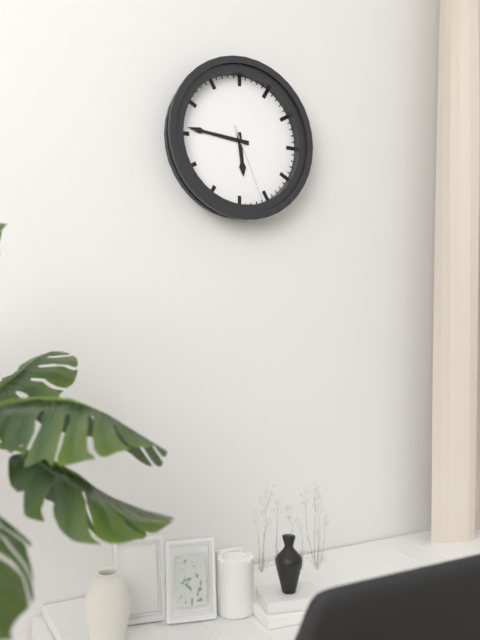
5:46:26
